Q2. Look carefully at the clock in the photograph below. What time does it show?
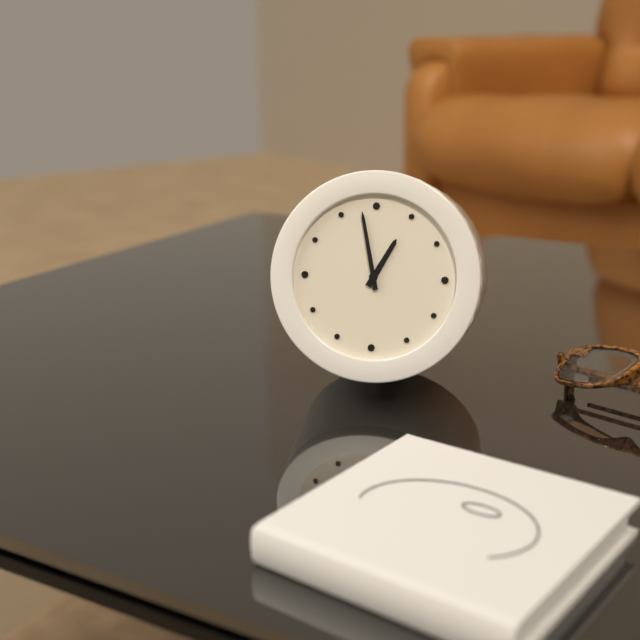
12:58
